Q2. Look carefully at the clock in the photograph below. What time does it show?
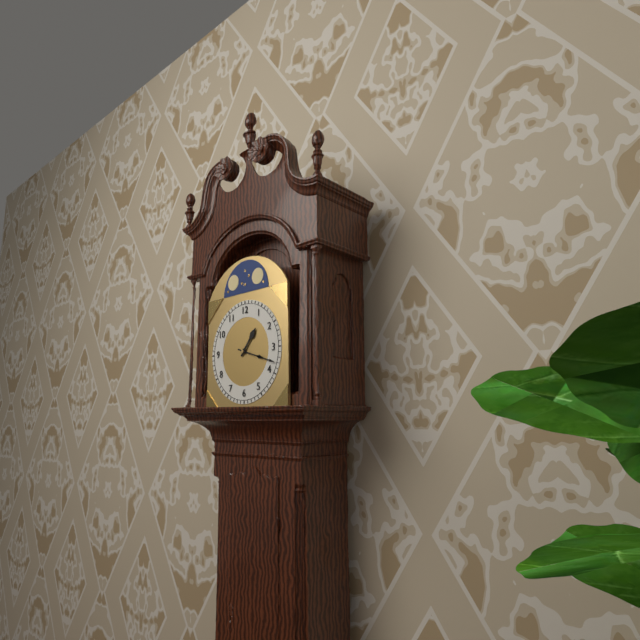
1:18
